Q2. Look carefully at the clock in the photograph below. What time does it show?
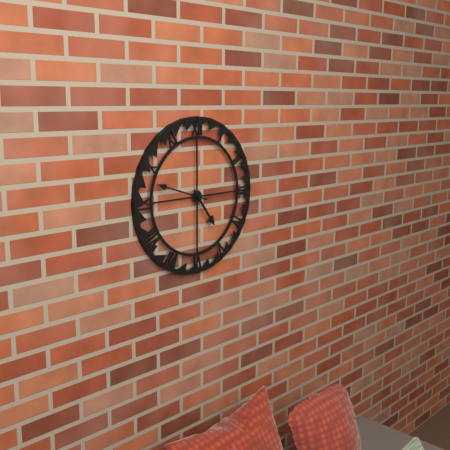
4:48
